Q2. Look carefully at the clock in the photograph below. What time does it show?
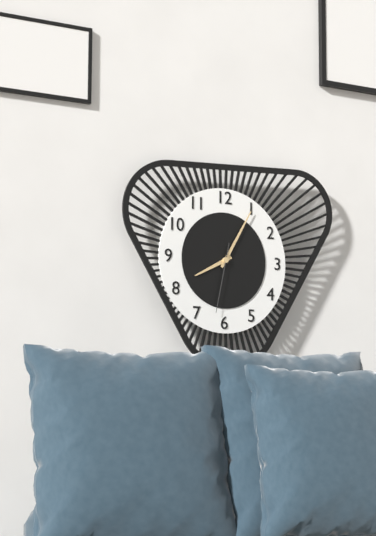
8:05:32
